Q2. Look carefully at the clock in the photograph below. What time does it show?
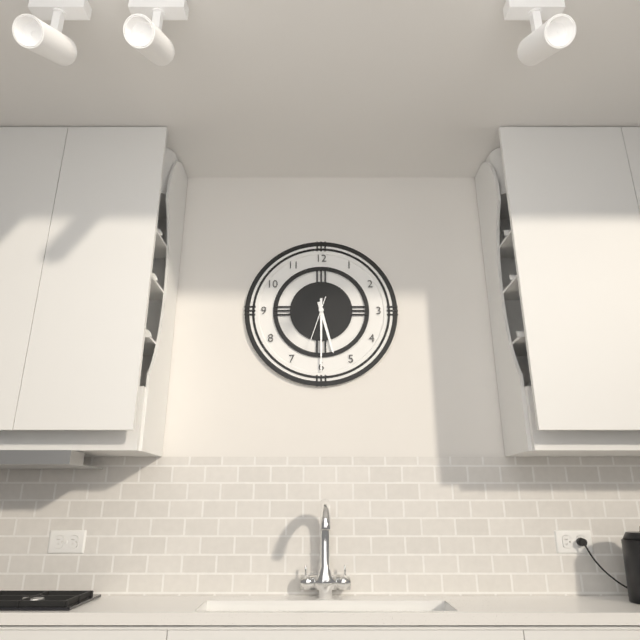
5:30
